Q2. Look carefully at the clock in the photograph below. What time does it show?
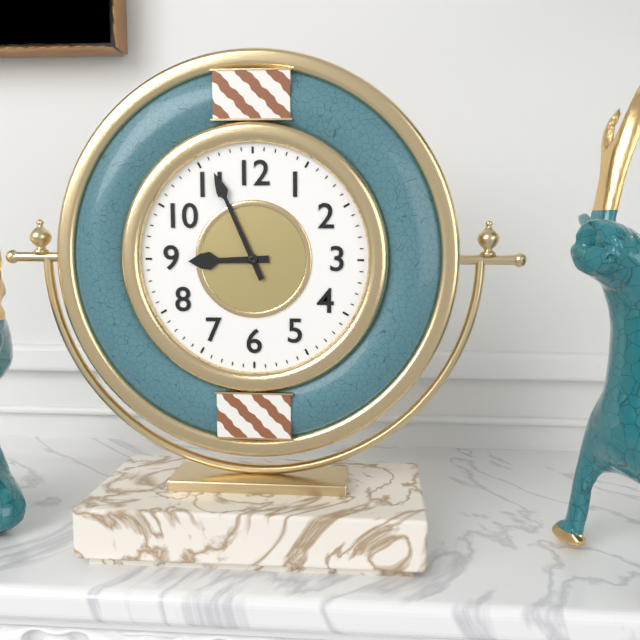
8:56
